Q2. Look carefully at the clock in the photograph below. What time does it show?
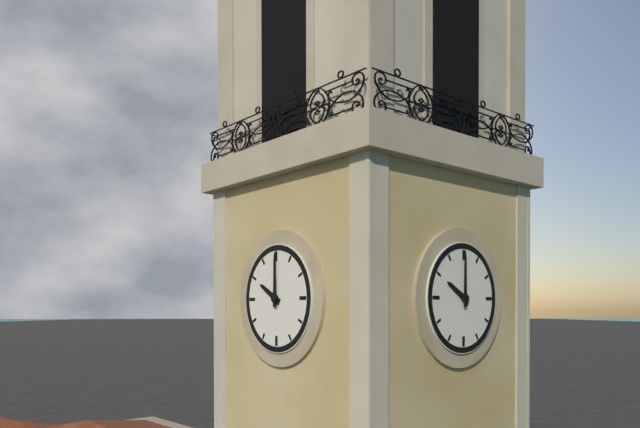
10:00
